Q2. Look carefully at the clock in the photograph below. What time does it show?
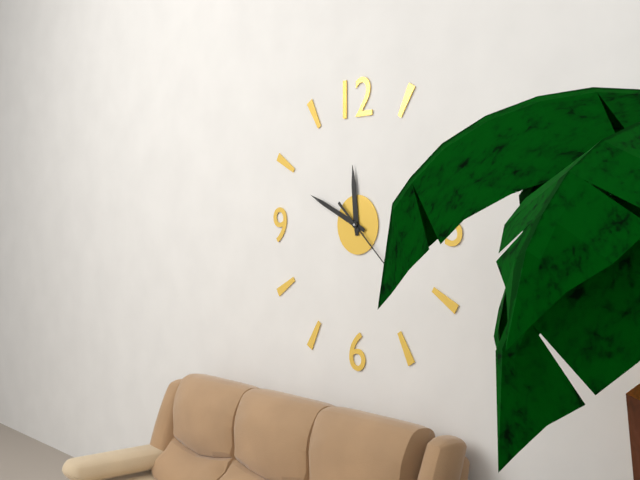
11:49:22
